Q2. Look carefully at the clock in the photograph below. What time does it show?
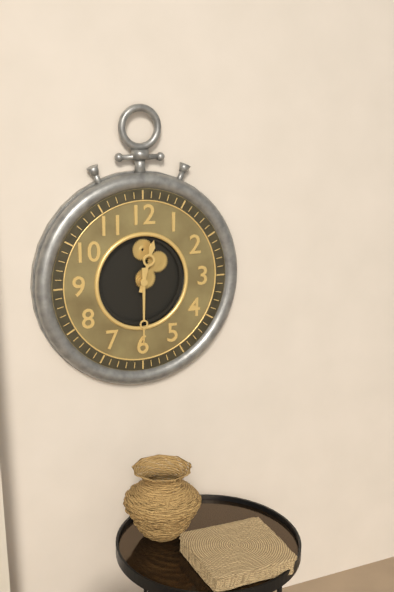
12:30
